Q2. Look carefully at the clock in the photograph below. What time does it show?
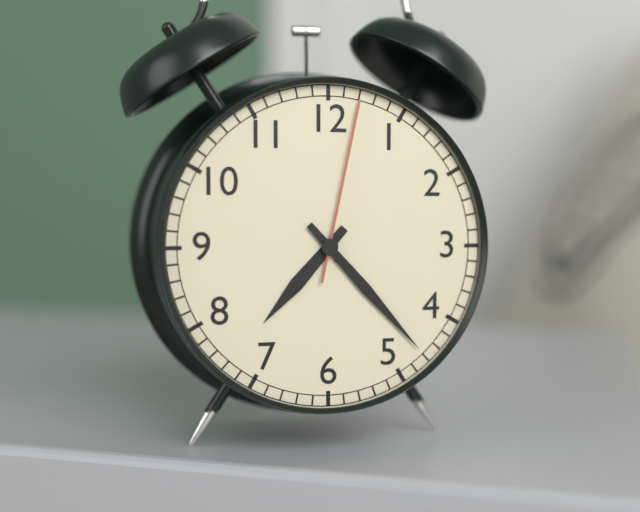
7:23:02
